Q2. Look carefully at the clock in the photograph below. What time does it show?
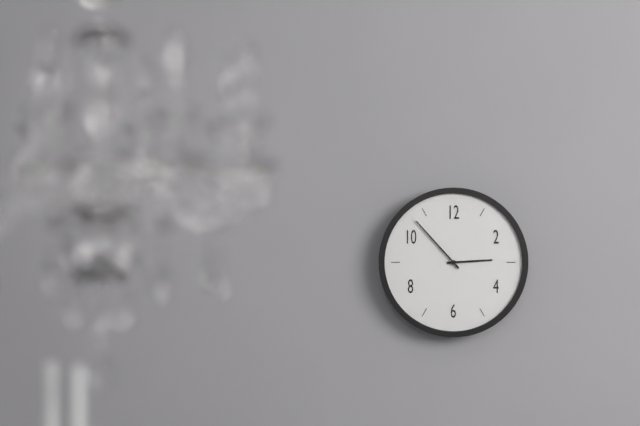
2:53
